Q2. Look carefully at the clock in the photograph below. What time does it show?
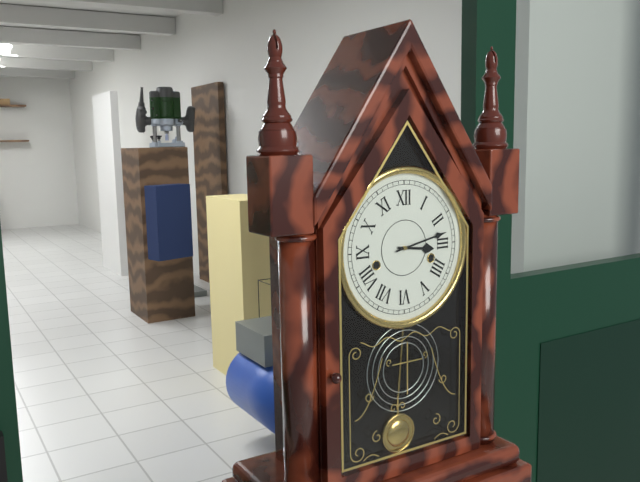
3:13
